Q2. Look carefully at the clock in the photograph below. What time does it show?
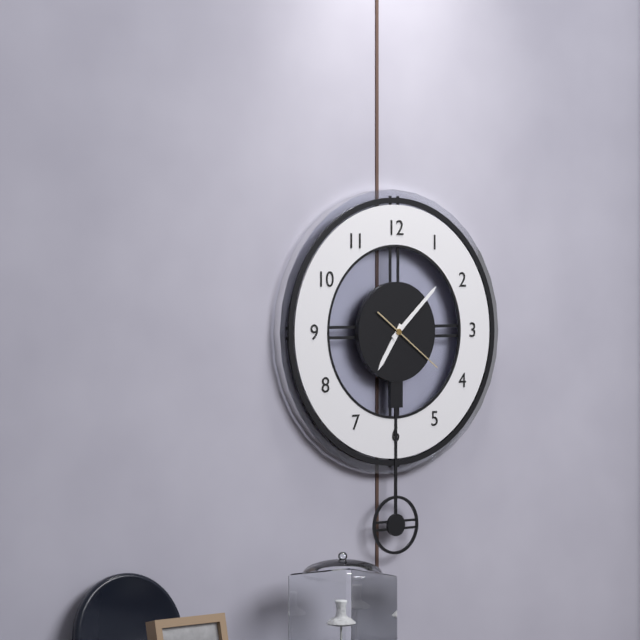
7:08:21
